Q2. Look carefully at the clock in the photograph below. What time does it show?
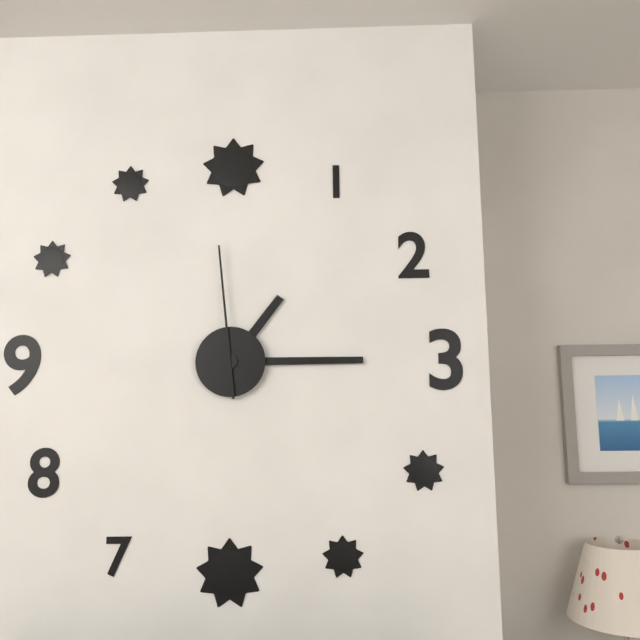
1:15:59
